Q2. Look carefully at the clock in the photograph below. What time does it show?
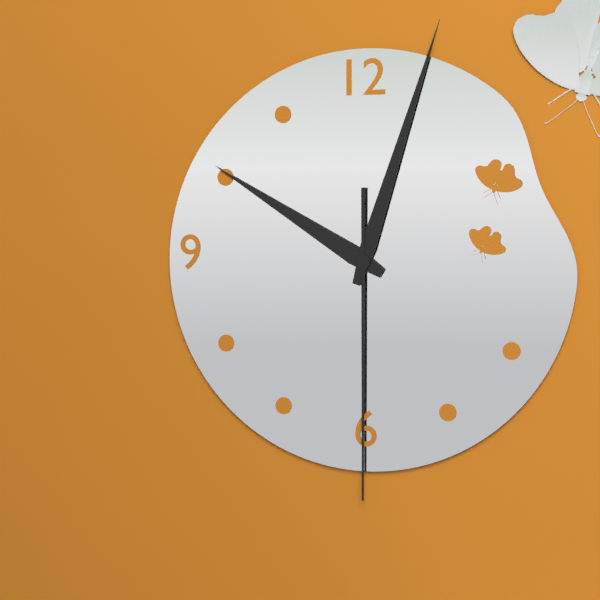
10:03:30
